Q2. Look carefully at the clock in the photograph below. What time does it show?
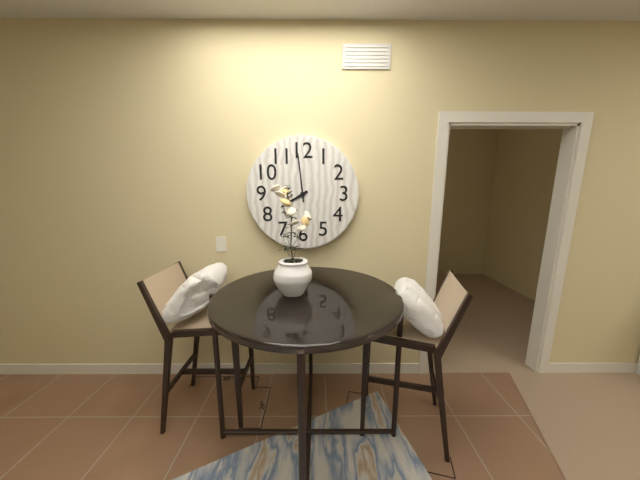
7:59
